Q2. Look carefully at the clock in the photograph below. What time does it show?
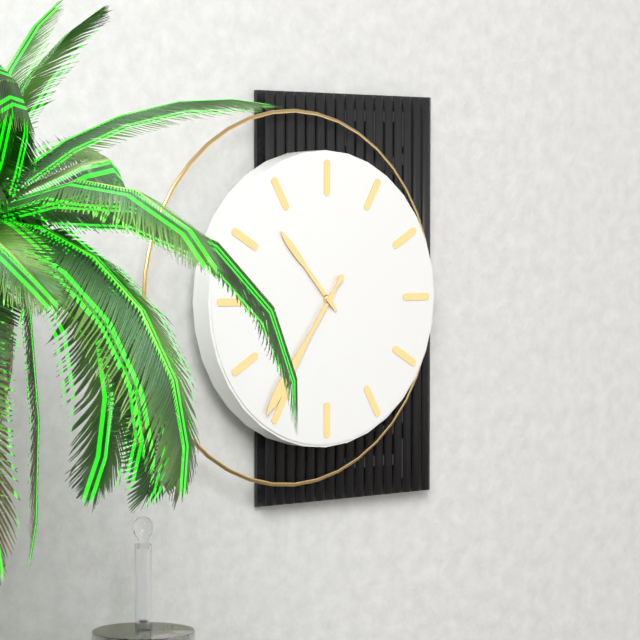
10:36
